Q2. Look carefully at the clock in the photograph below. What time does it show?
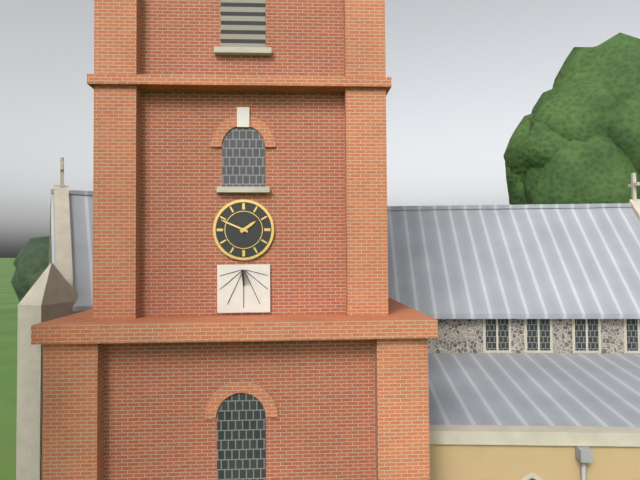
1:49
